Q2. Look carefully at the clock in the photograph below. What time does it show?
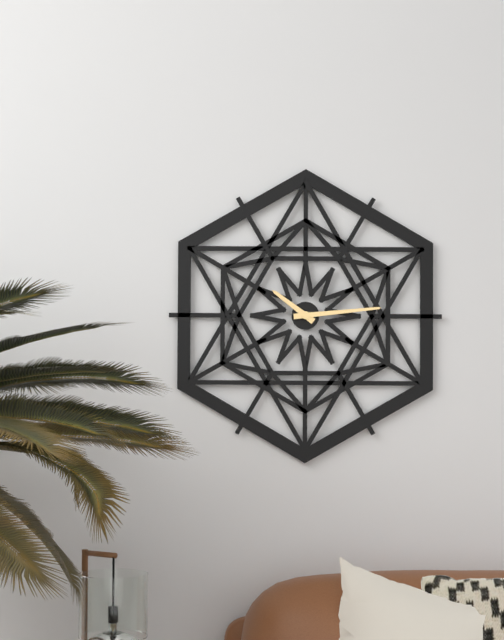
10:14
